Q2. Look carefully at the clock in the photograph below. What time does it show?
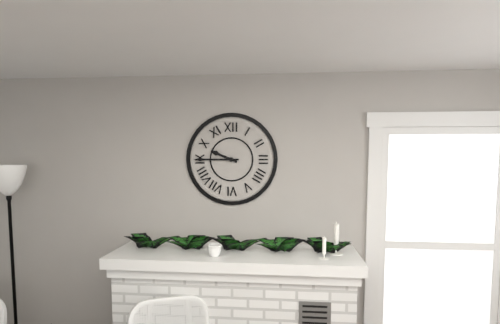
9:45
